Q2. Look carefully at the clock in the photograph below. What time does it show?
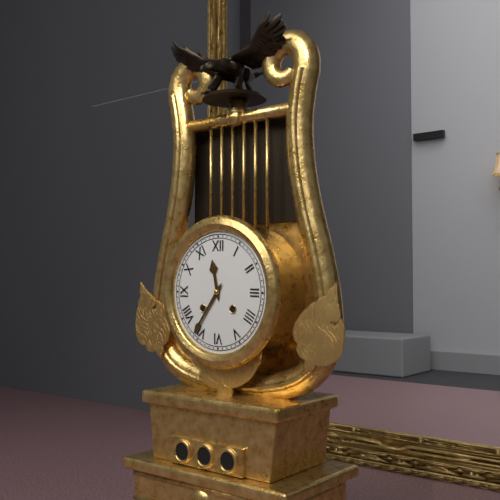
11:36
